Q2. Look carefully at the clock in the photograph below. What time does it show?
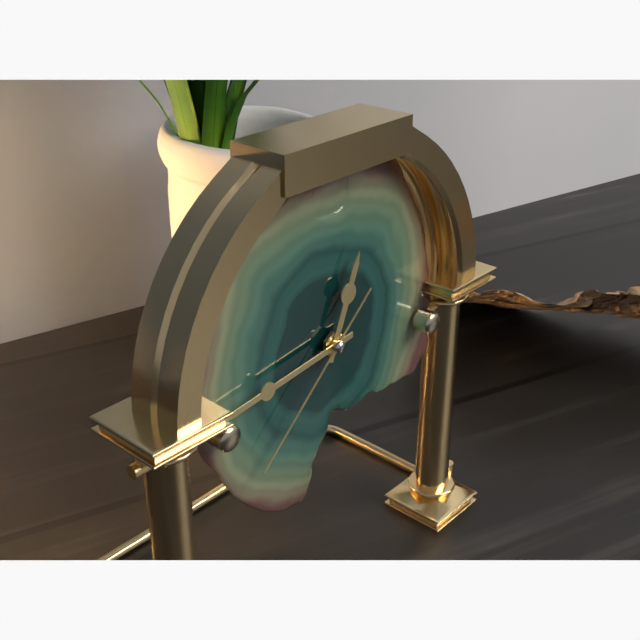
12:44:38
